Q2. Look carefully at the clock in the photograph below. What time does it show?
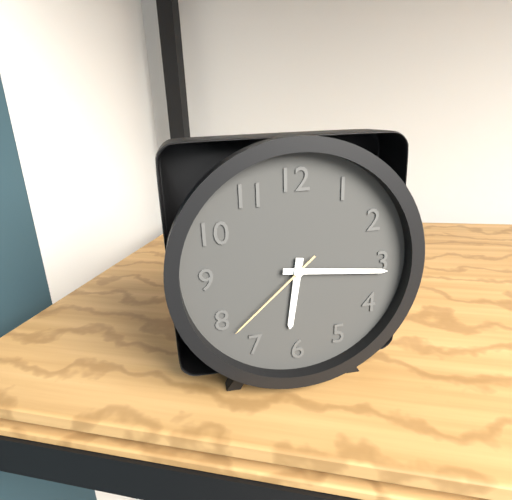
6:16:38
